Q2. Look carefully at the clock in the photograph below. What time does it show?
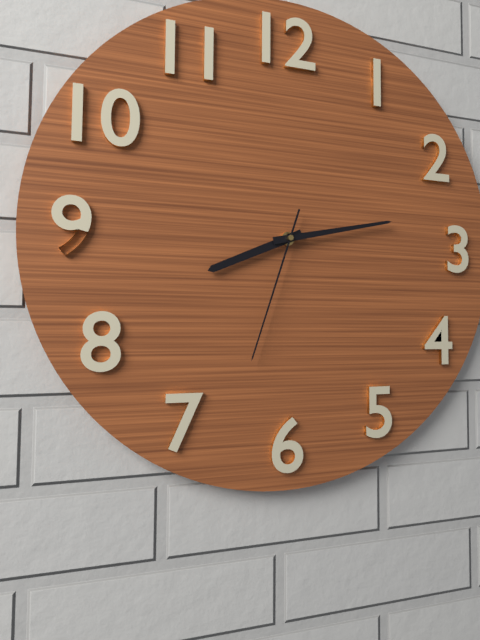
8:13:33
